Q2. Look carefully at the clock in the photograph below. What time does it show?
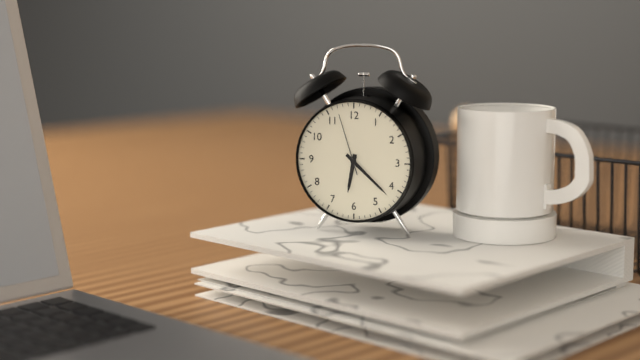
6:22:57
